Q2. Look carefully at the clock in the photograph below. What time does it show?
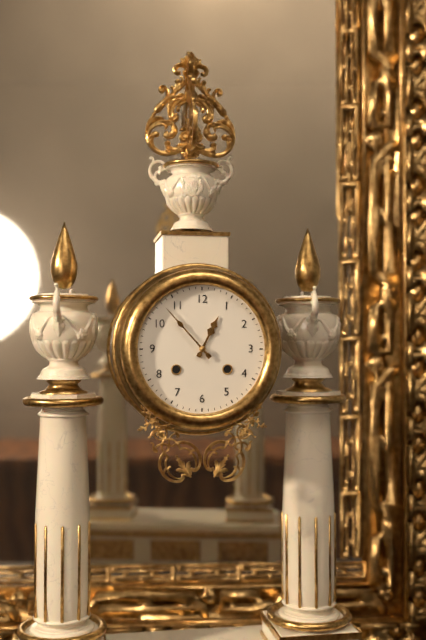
12:53
